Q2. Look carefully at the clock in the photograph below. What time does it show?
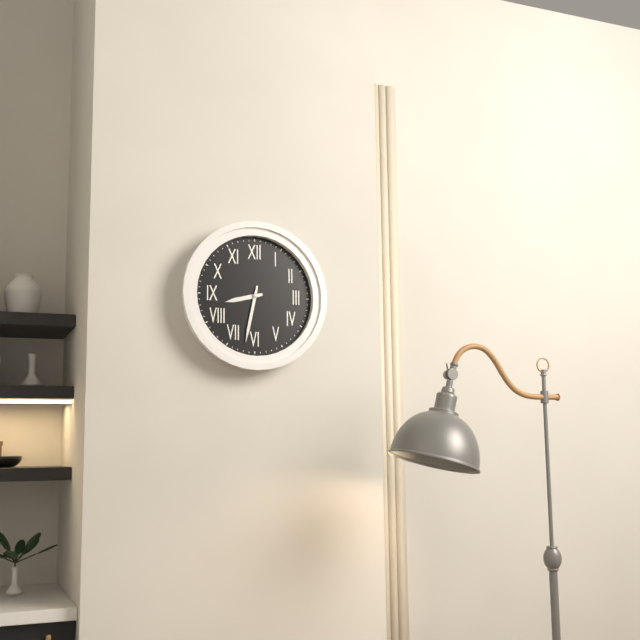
8:32
